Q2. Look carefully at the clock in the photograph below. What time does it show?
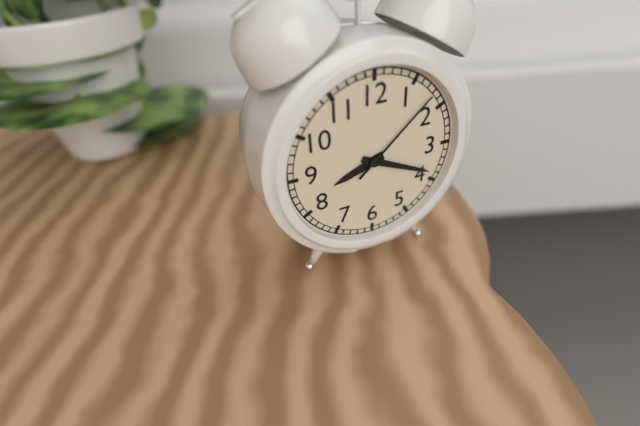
8:19:08
